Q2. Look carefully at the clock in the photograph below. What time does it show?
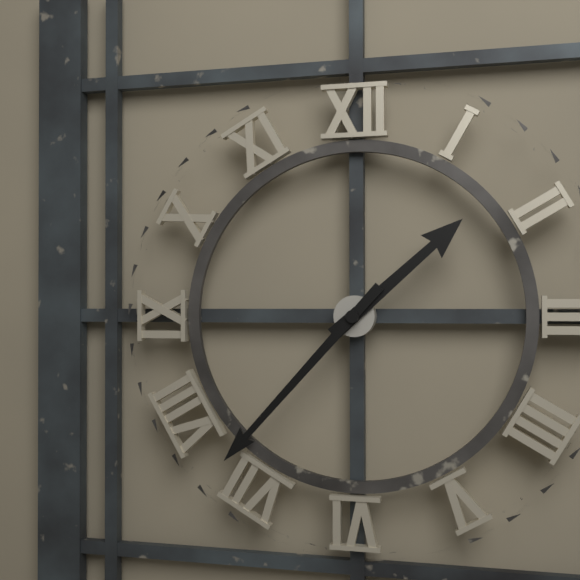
1:37
